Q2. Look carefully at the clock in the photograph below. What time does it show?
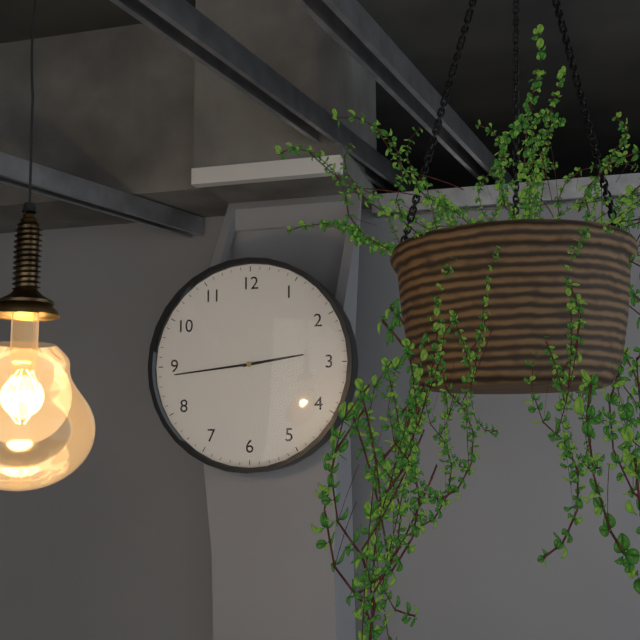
2:44
